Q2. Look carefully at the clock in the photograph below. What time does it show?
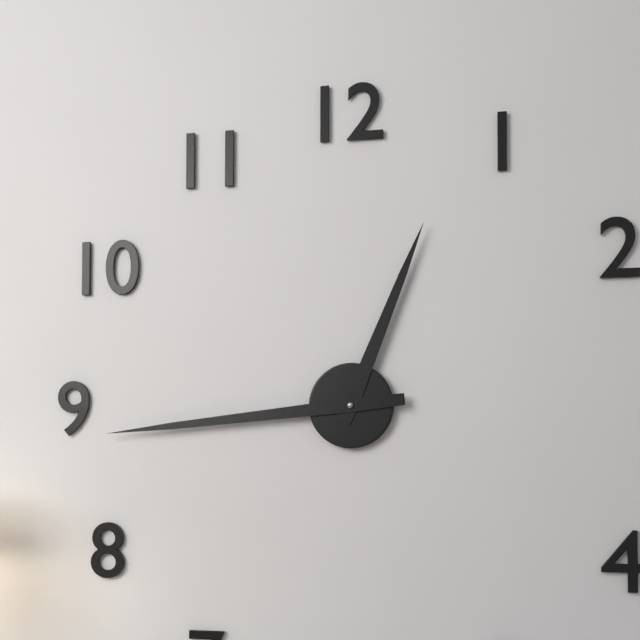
12:44
